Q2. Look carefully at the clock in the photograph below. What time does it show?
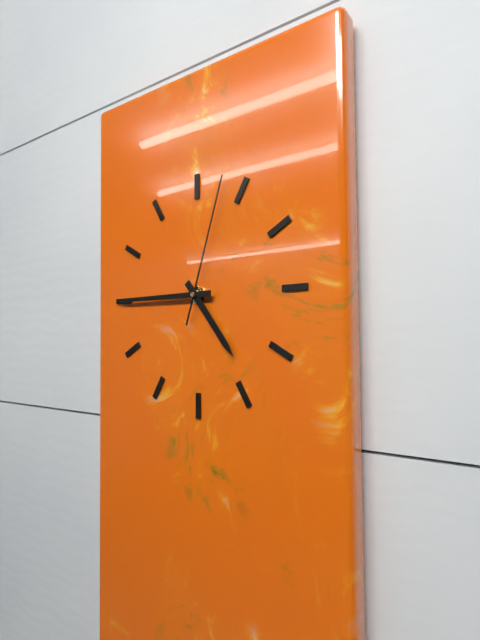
4:45:03
